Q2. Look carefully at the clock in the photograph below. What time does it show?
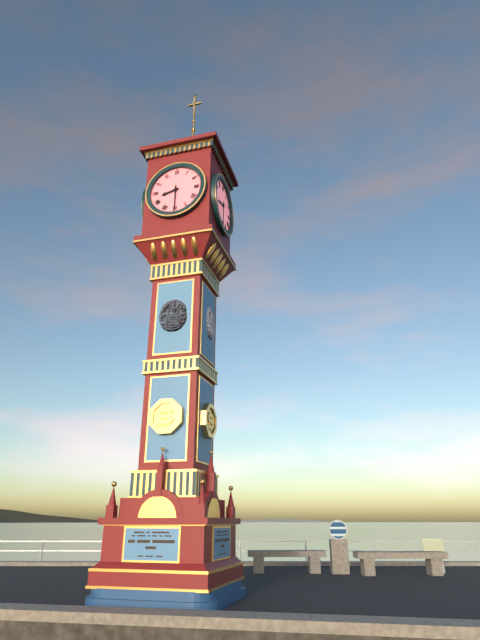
8:30
